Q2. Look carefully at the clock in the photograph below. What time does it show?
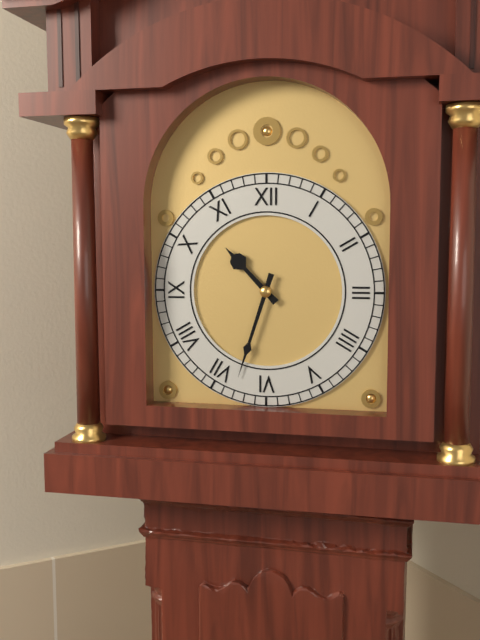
10:33
